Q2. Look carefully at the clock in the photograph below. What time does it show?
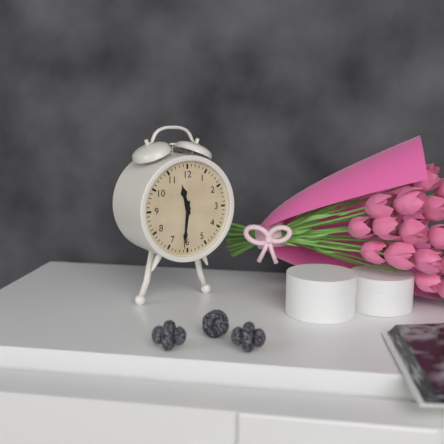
11:31
